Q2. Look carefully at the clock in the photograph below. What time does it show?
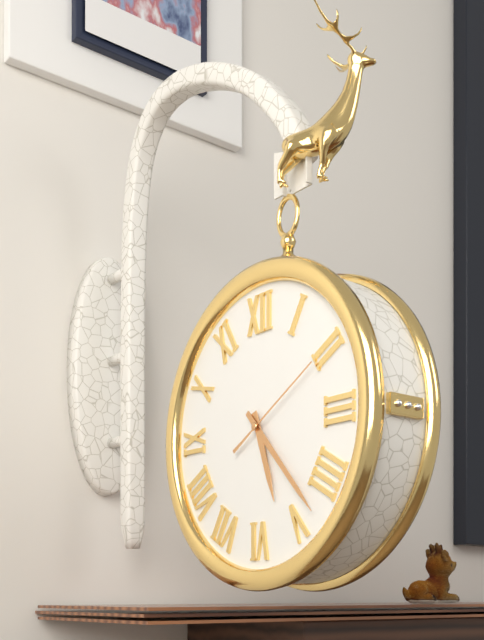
5:23:10
